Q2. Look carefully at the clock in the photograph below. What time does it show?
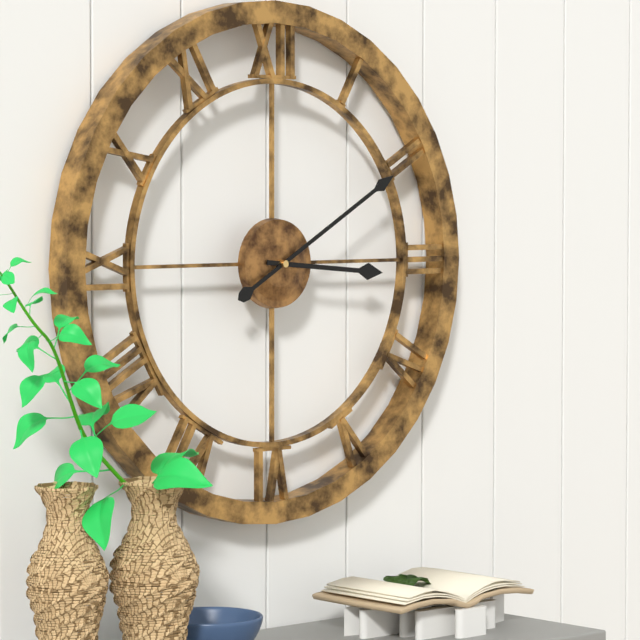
3:10
